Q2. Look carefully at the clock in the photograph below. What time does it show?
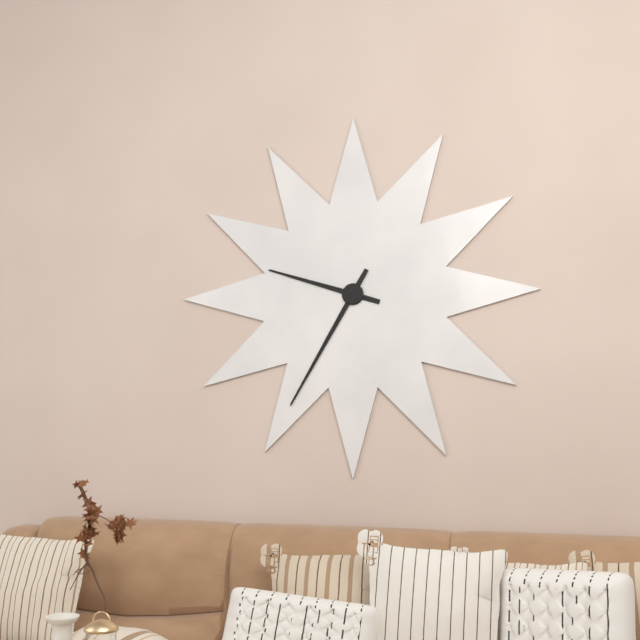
9:35
